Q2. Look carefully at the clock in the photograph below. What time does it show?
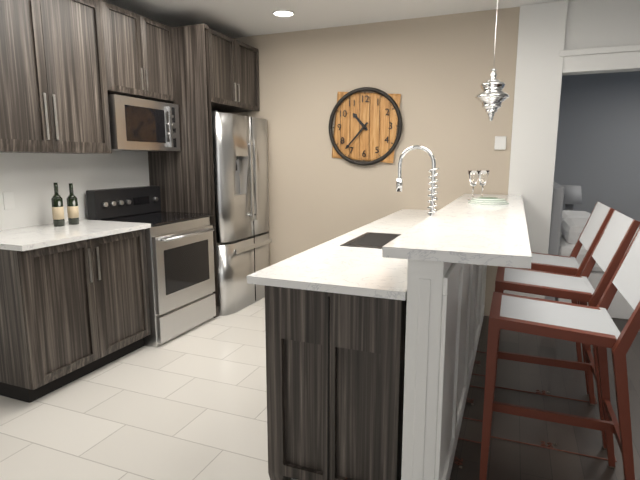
10:37
